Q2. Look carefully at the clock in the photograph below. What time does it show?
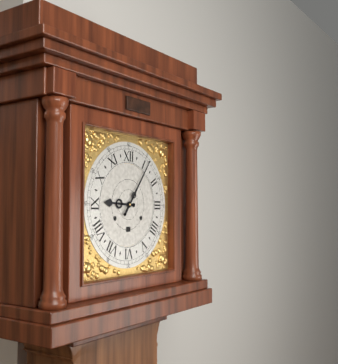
9:06
